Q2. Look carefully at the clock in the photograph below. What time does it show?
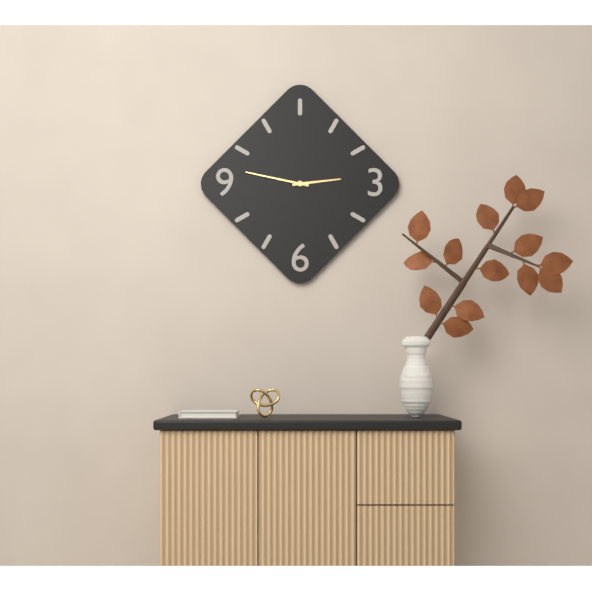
2:47
